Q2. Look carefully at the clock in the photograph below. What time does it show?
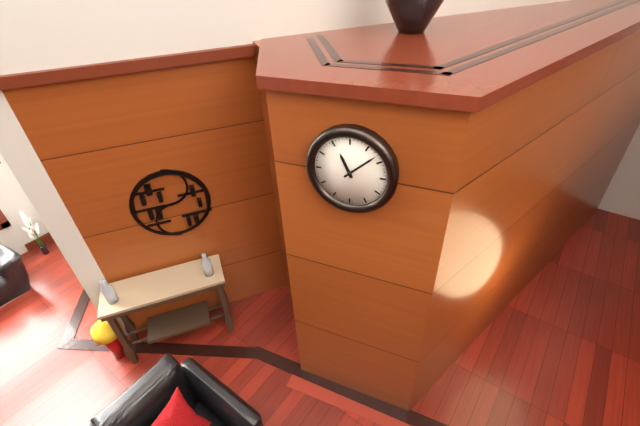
11:08
